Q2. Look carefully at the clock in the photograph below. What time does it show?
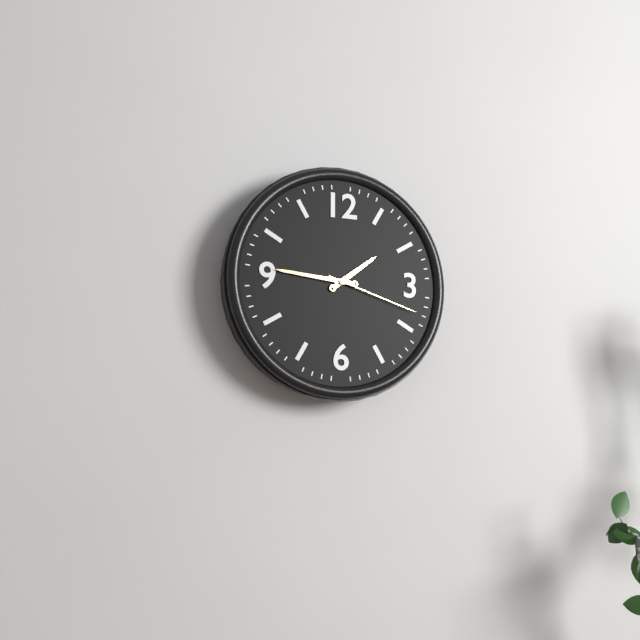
1:46:18
